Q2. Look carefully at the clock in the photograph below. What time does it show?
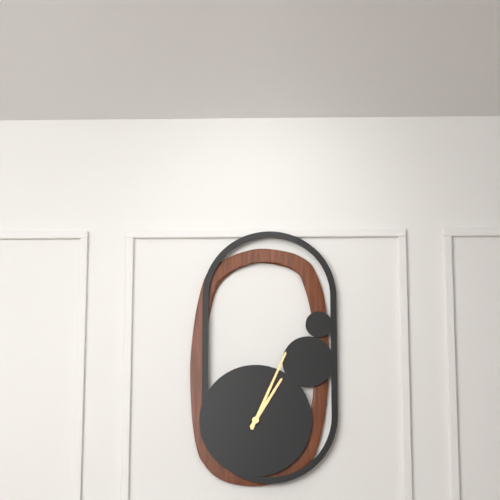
1:04
